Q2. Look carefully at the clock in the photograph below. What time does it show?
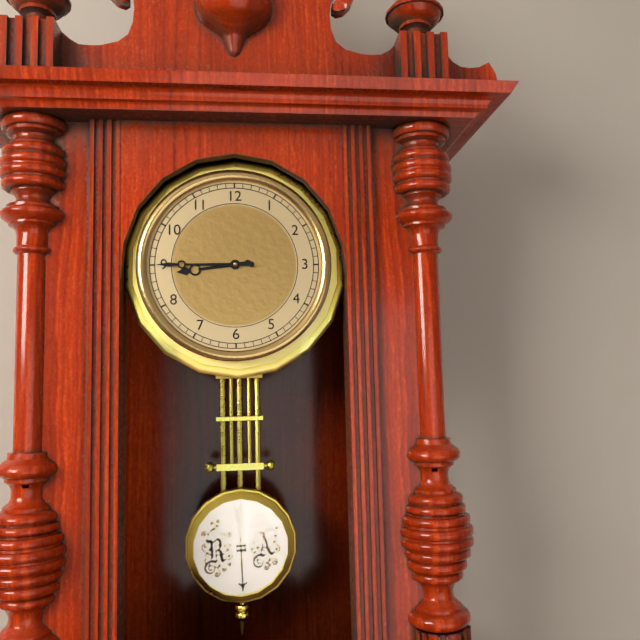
8:45
